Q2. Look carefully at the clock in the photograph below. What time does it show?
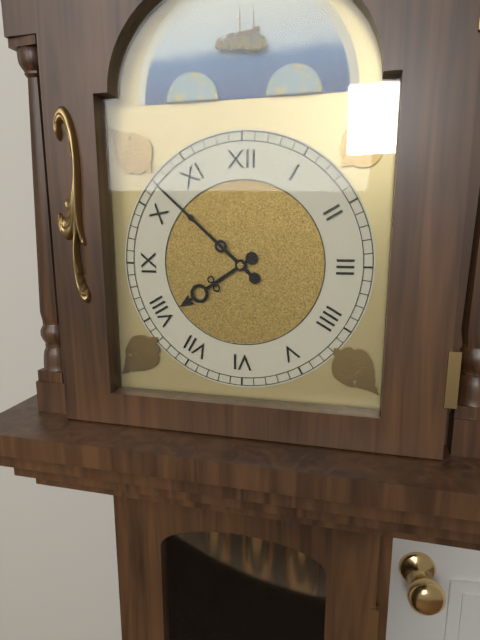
7:52
